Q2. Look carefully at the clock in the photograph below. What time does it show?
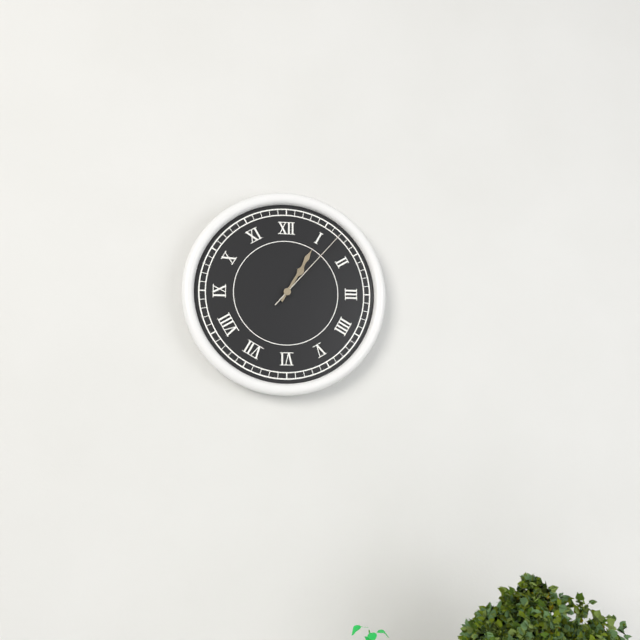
1:05:07
